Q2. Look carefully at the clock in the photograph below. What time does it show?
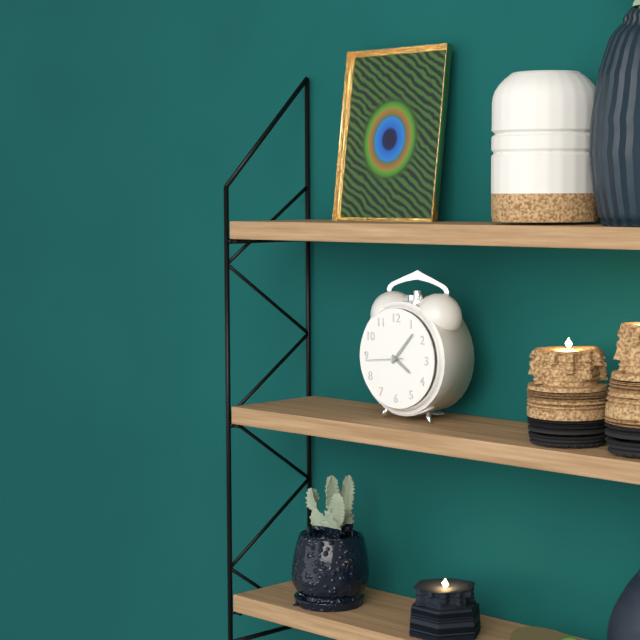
4:07
